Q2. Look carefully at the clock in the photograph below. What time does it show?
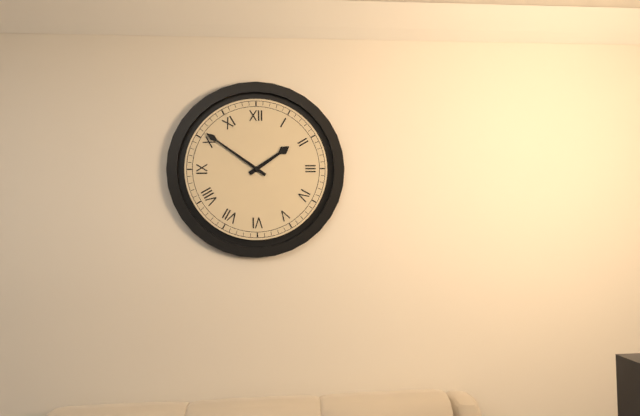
1:51
